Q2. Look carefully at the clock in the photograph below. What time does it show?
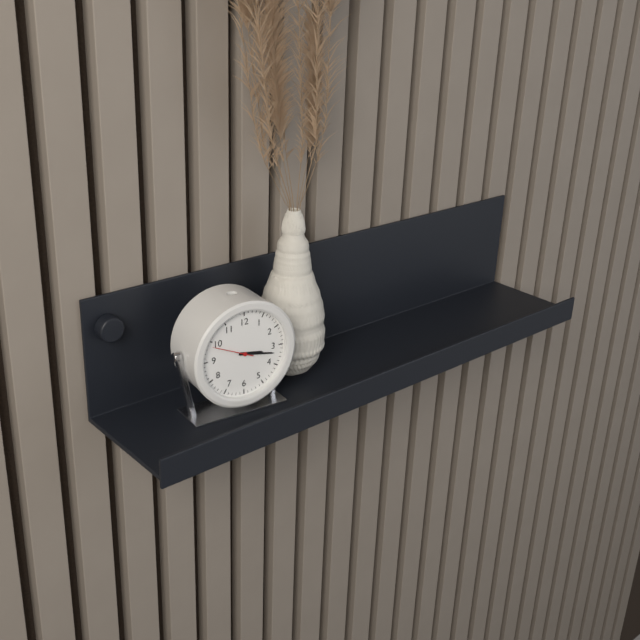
3:17
